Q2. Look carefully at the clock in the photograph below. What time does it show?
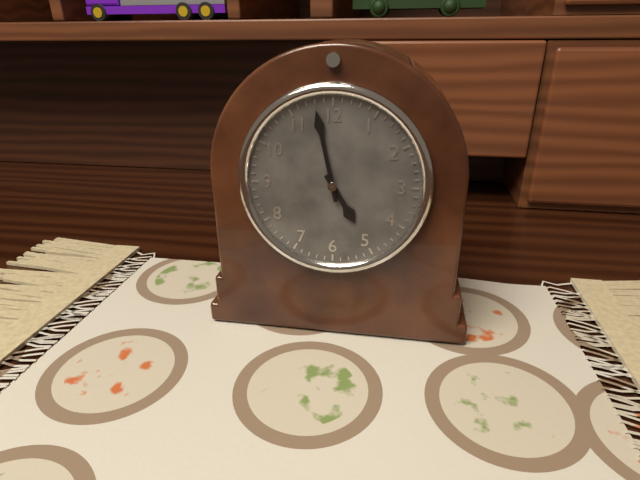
4:58
